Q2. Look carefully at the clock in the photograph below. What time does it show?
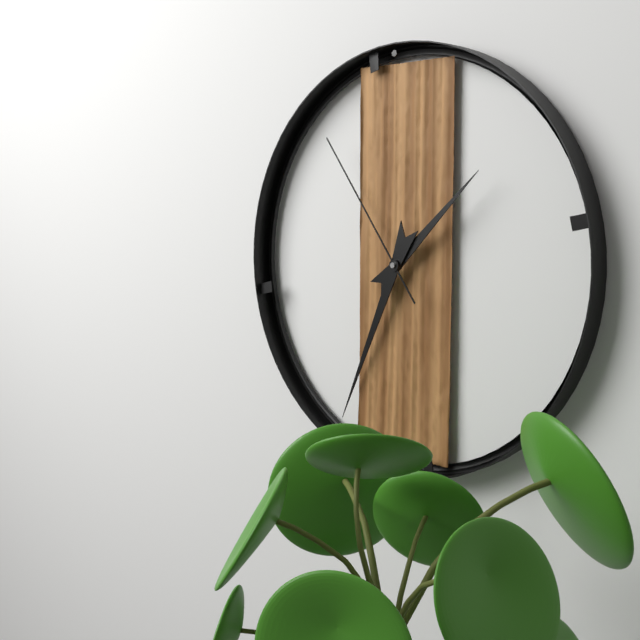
1:34:54
